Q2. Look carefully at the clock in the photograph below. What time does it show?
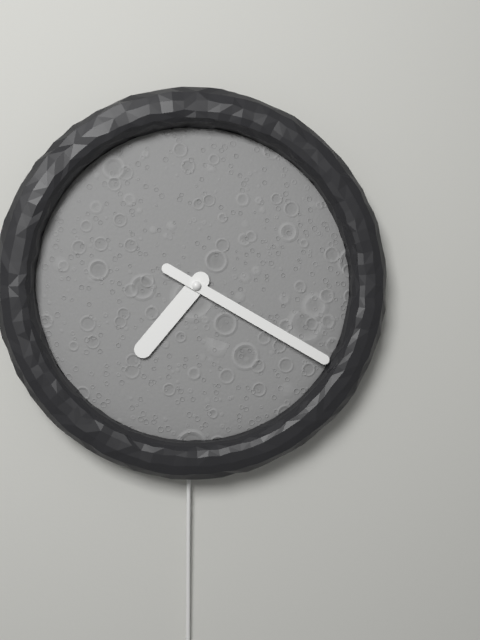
7:20
